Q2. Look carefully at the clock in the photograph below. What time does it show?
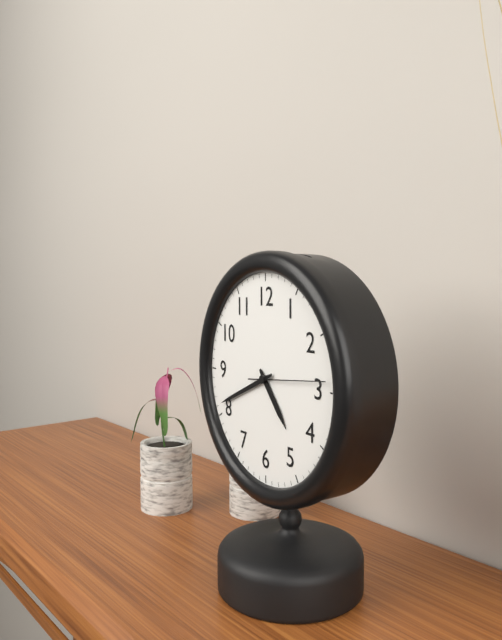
4:41:14
